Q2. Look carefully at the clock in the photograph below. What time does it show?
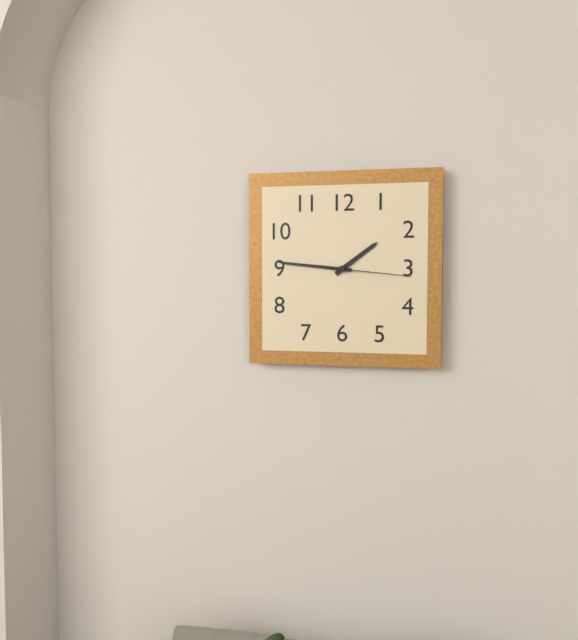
1:46:16
